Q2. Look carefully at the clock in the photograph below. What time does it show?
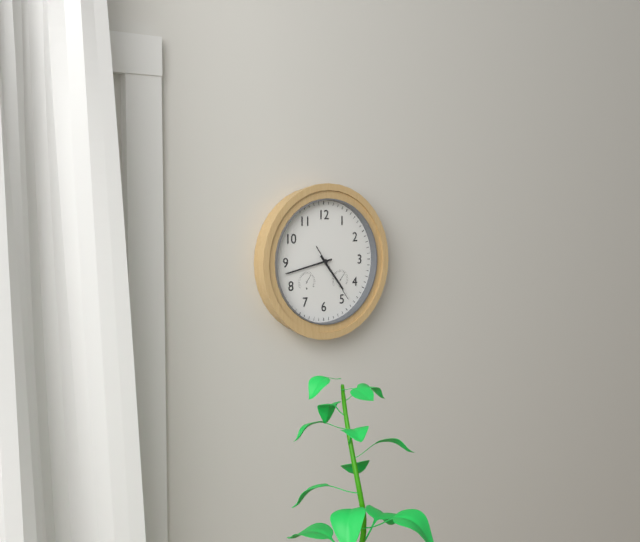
4:43:24
